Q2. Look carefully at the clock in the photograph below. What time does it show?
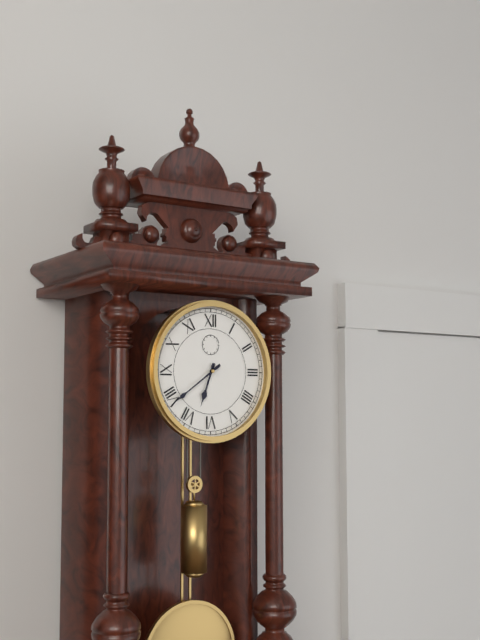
6:39
